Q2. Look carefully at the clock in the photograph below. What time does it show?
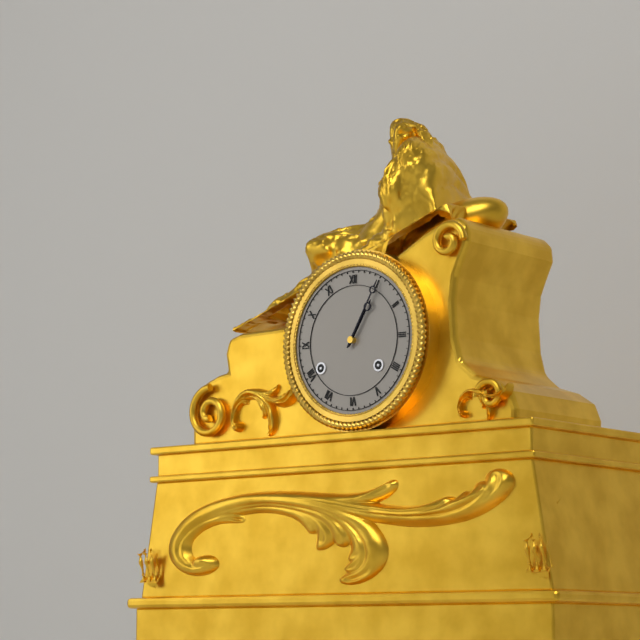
1:05
